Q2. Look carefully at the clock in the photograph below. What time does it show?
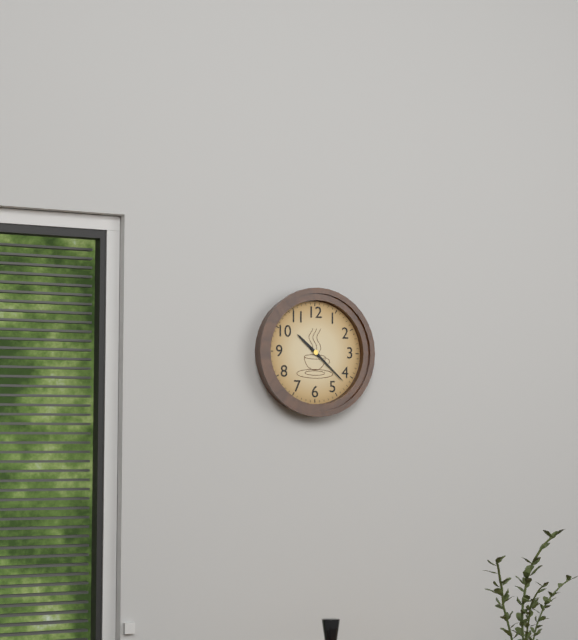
10:22
